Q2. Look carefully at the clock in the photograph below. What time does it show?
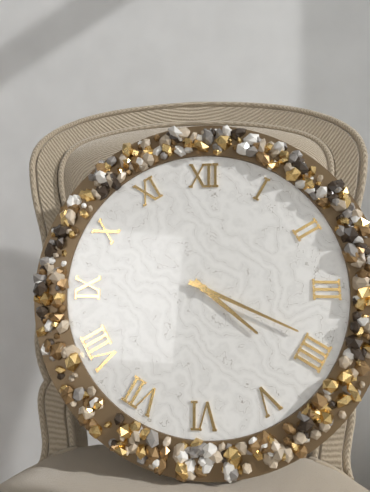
4:19
